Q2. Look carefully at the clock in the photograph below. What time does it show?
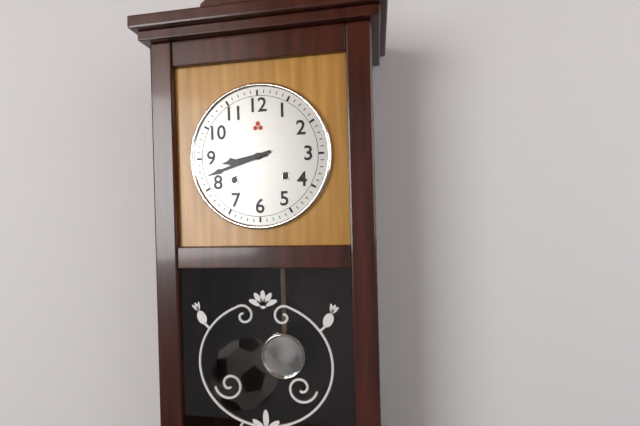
8:42
